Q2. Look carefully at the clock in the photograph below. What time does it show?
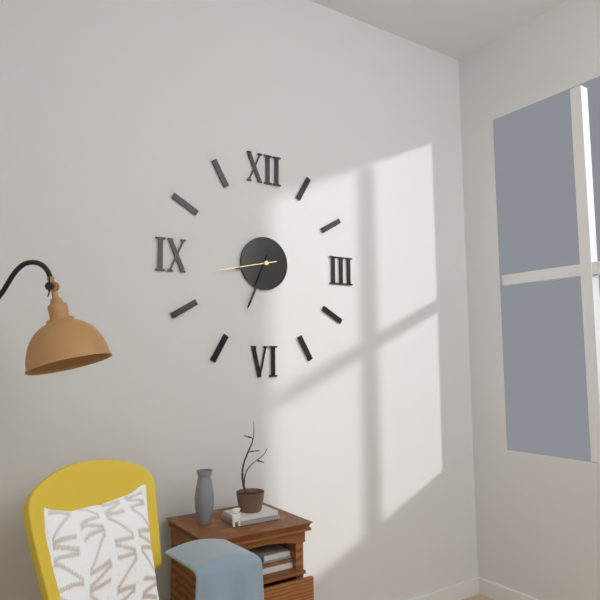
8:34:43
